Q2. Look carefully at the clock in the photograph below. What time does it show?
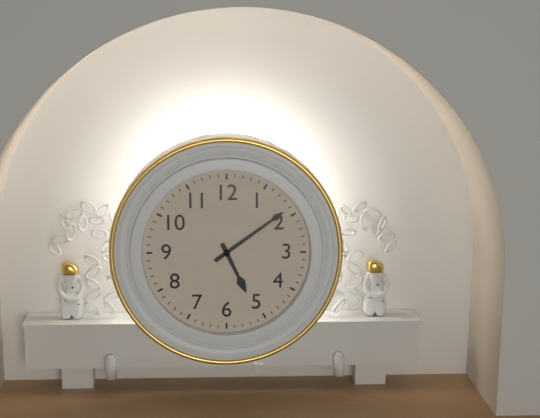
5:09
